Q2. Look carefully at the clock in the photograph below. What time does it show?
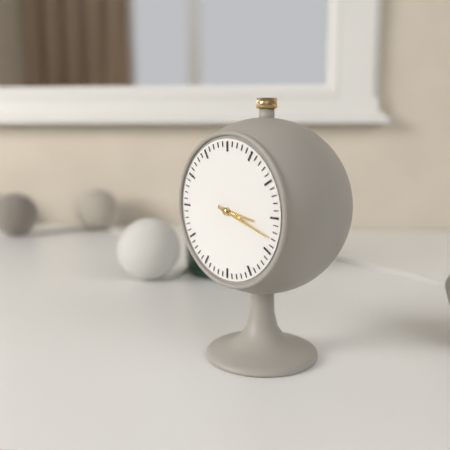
3:18
